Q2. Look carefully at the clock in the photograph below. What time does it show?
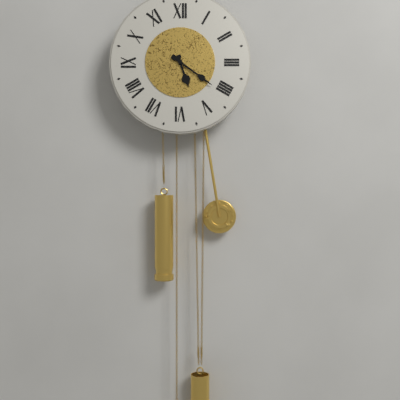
5:21
